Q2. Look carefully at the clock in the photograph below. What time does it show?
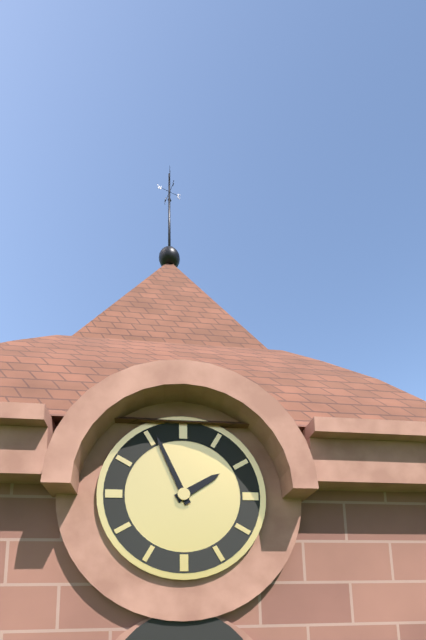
1:56
